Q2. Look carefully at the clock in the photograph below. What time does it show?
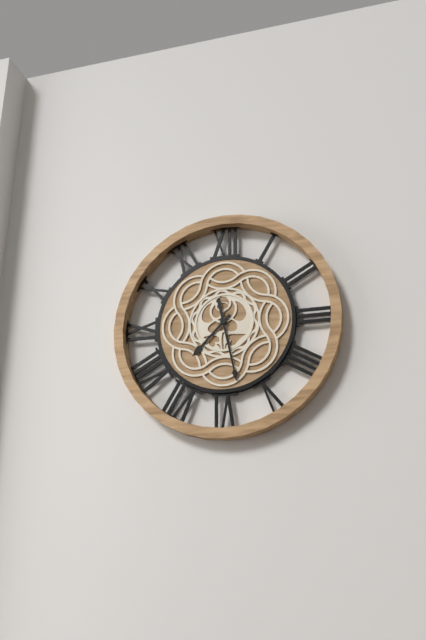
7:28
